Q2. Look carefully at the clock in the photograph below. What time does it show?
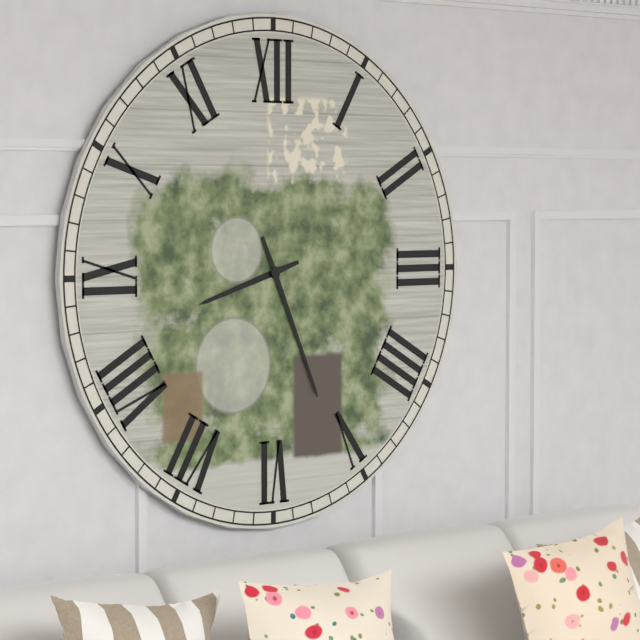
8:26
